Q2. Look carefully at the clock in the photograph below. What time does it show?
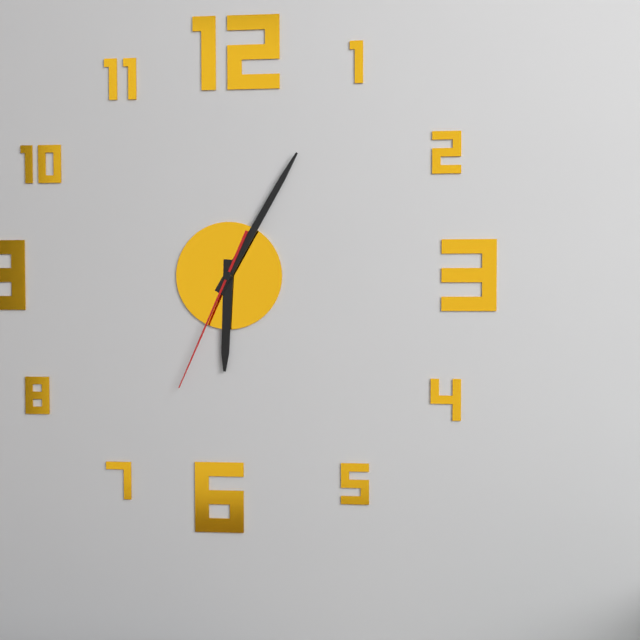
6:05:34
